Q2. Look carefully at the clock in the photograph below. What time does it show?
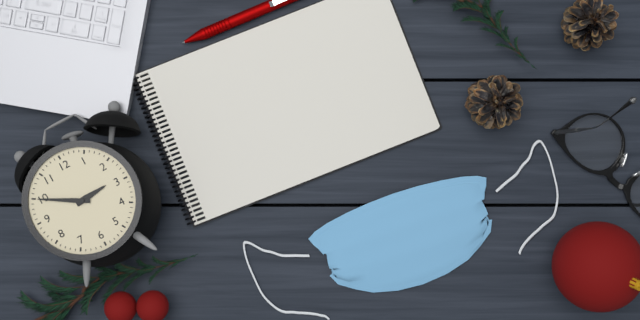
2:50
